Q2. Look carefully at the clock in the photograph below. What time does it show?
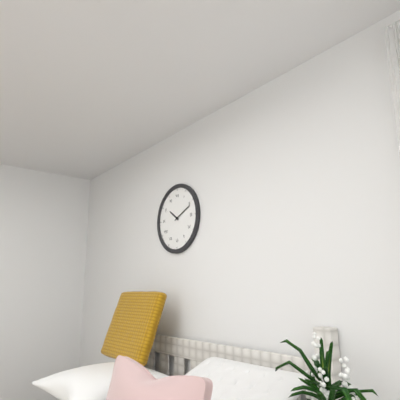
10:11
